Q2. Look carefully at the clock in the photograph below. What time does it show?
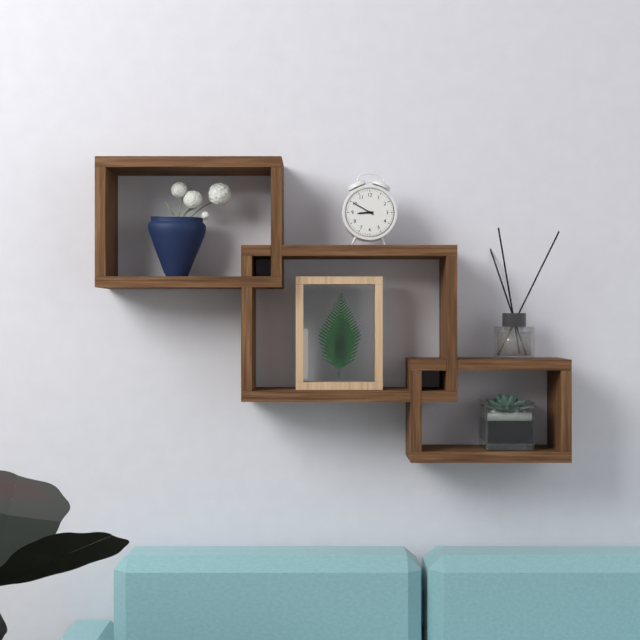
8:50
